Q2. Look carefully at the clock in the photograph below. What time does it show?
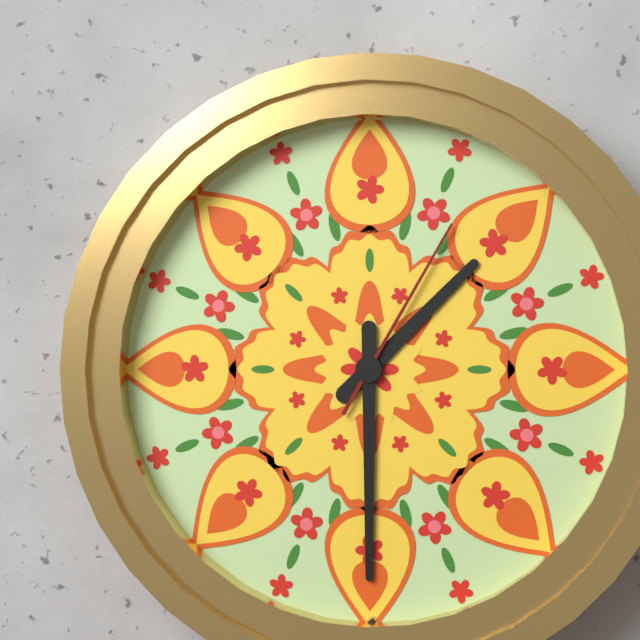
1:30:05
